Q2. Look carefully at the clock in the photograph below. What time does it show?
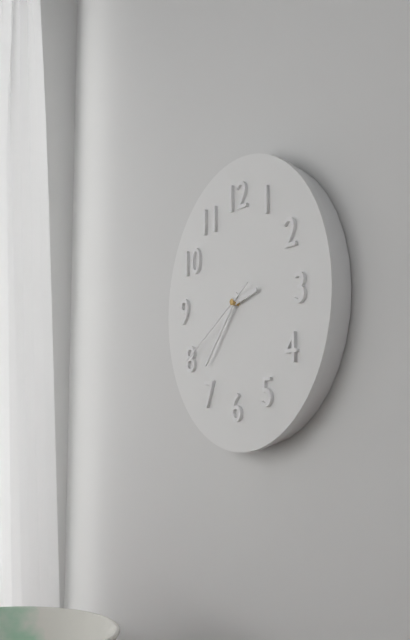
2:37:40
